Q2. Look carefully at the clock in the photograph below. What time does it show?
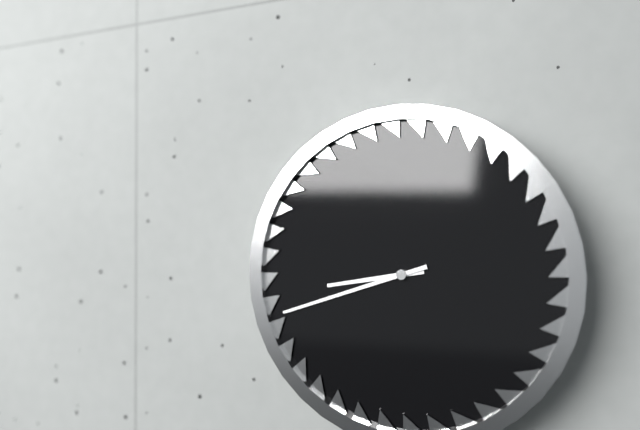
8:42
